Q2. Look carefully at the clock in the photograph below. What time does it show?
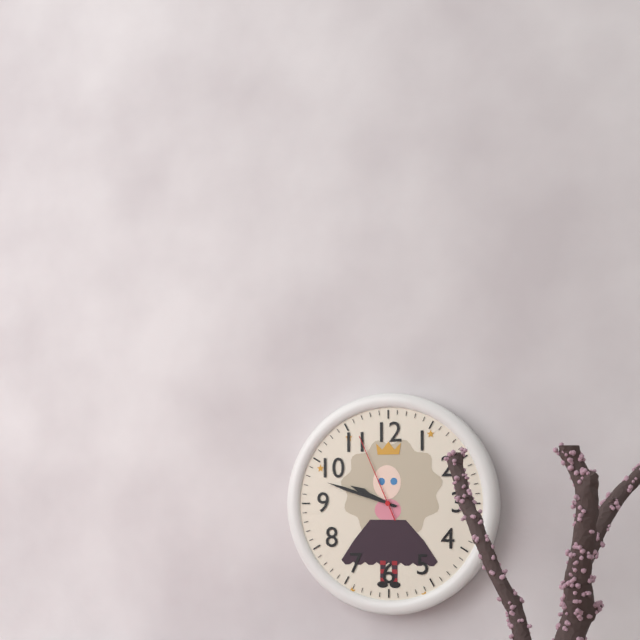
9:48:56
